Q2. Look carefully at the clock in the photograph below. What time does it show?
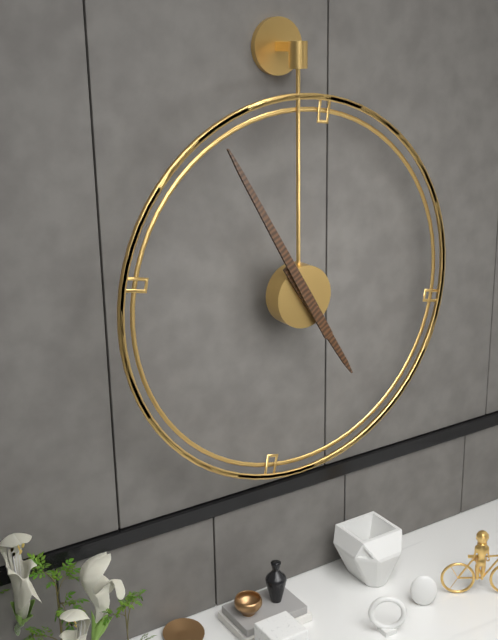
4:55
